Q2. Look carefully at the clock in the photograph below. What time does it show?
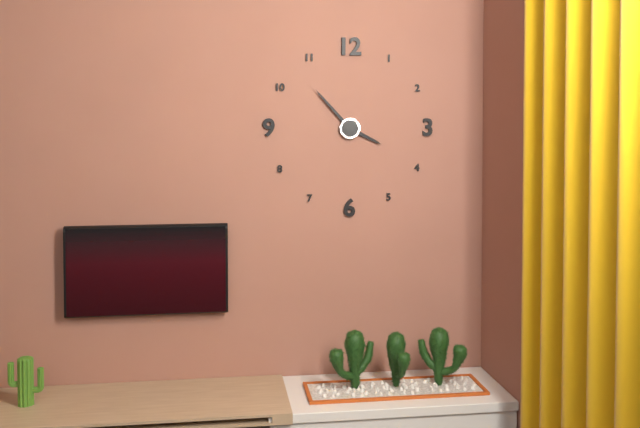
3:53
